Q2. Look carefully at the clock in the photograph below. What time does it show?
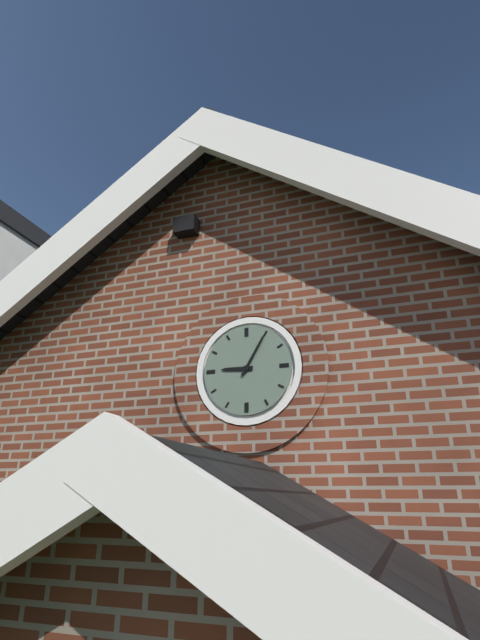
9:05
